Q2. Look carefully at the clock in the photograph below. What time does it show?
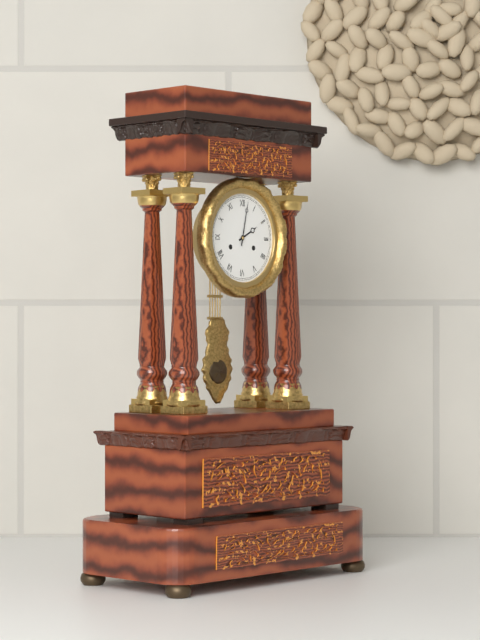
2:02
